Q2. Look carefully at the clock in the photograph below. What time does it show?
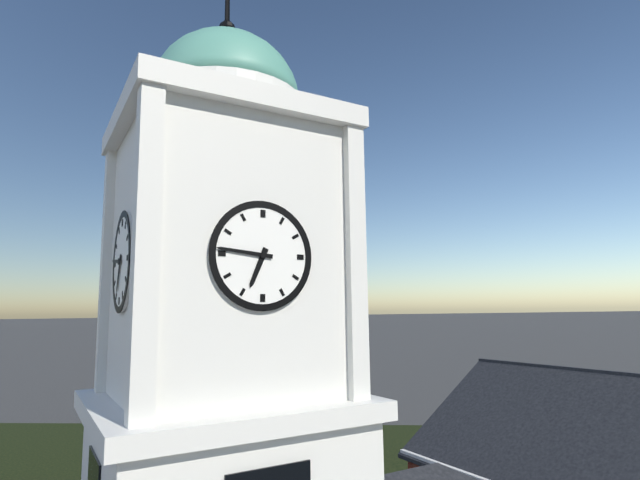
6:46
